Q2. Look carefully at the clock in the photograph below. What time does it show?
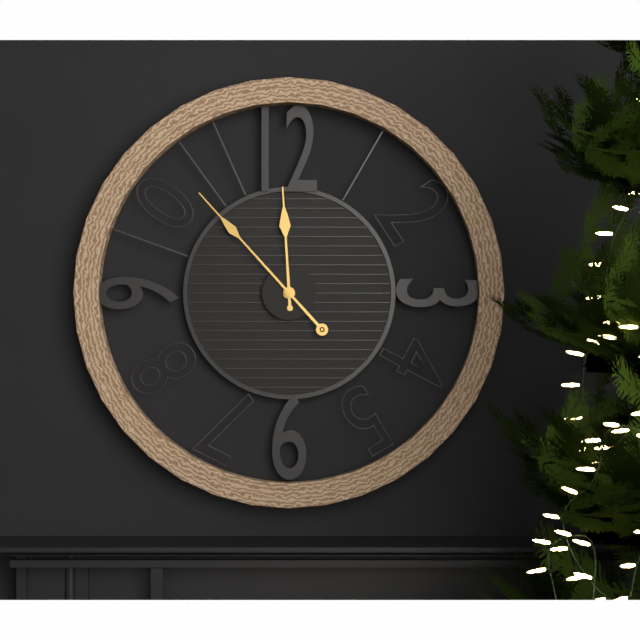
11:53
